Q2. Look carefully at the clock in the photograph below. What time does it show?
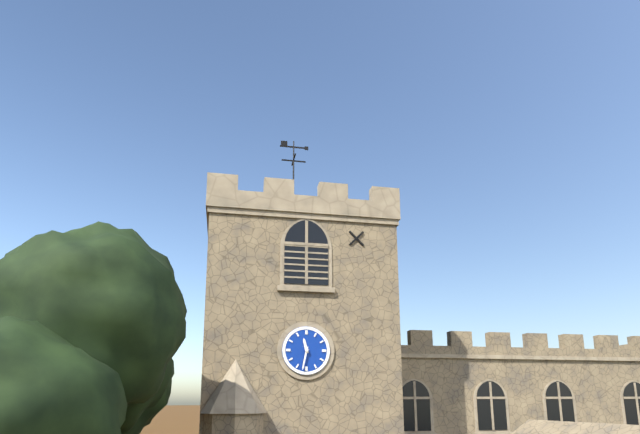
11:32
